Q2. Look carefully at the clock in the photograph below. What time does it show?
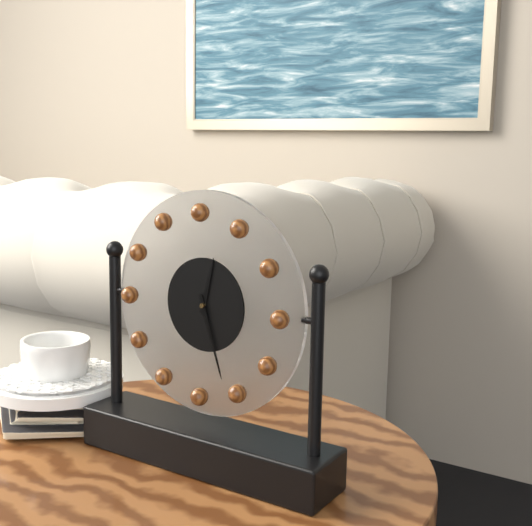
12:27
